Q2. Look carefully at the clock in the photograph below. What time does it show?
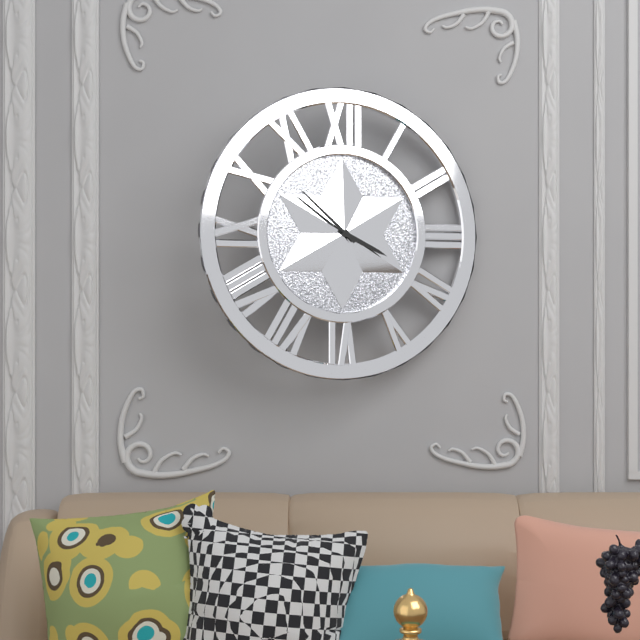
3:52
